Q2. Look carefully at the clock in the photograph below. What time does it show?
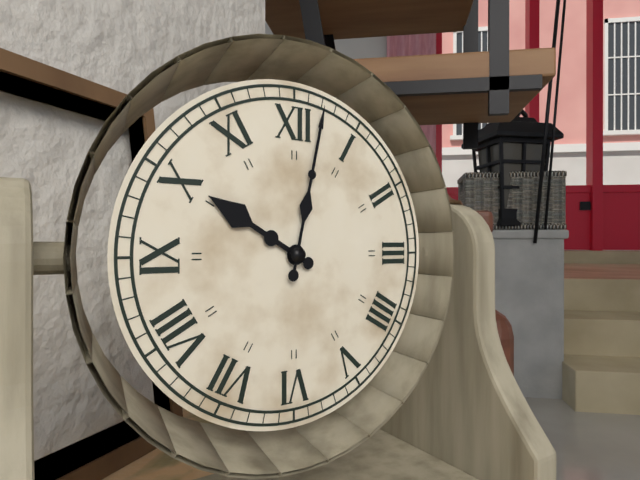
10:02
